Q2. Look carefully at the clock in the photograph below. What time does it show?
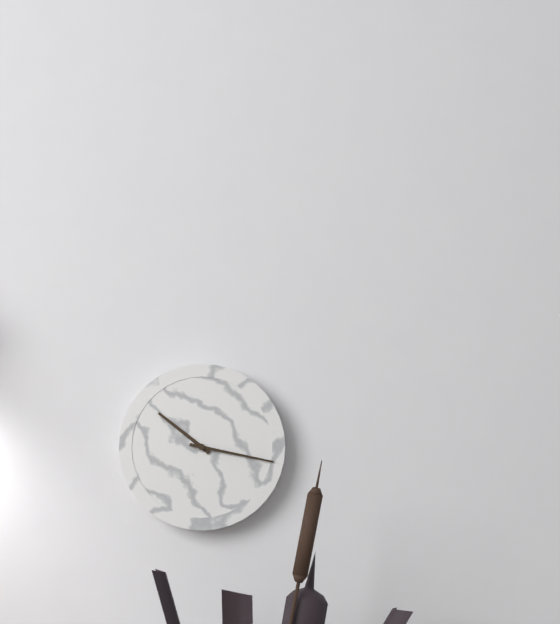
10:17
